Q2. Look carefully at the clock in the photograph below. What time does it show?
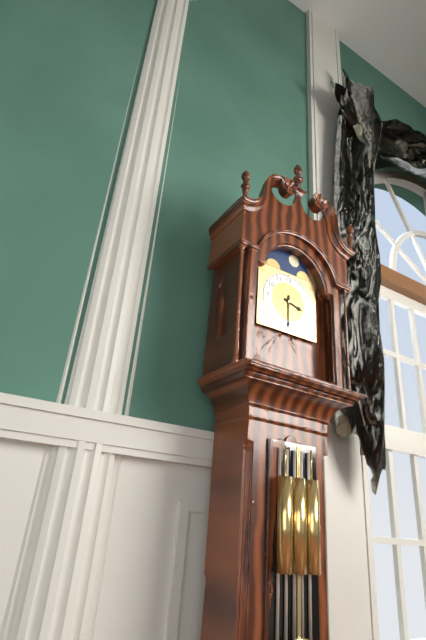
3:30
